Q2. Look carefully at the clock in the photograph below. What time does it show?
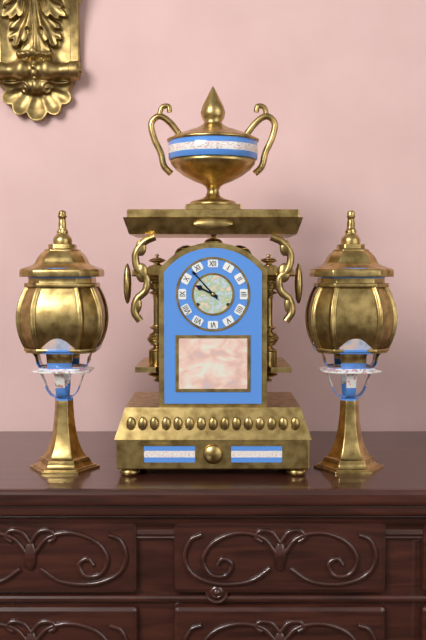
9:53
